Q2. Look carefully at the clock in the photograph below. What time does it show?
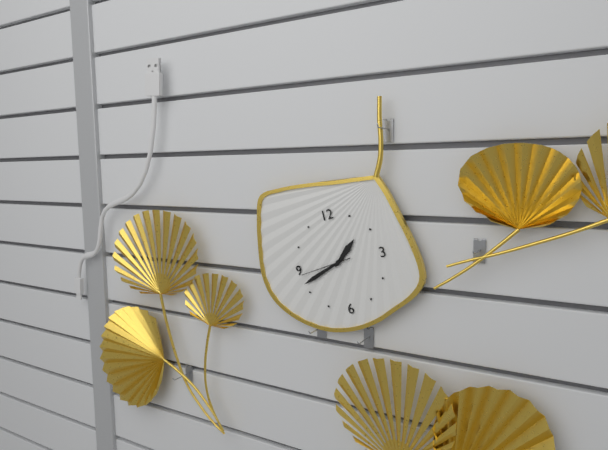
1:42
